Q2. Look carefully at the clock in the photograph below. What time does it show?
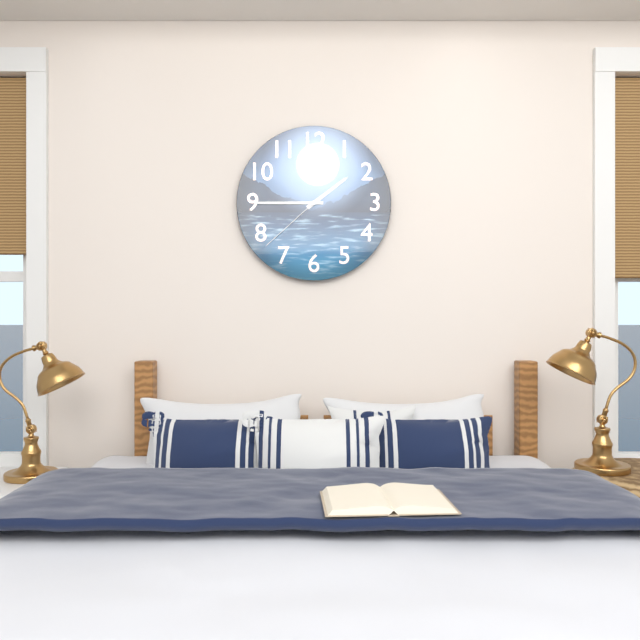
1:45:38
